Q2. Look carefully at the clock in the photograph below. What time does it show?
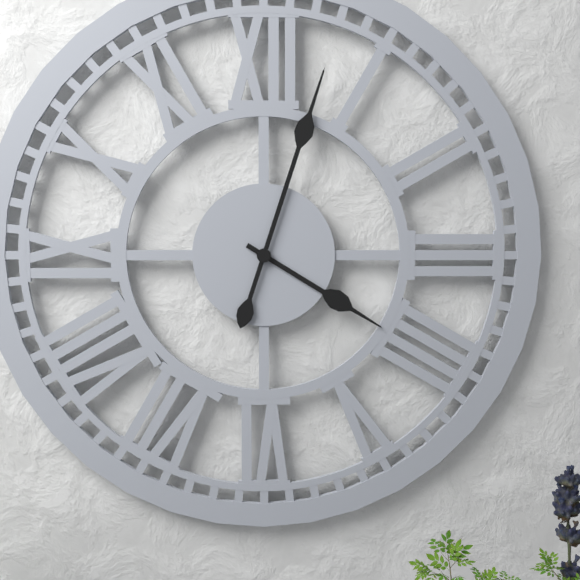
4:03
